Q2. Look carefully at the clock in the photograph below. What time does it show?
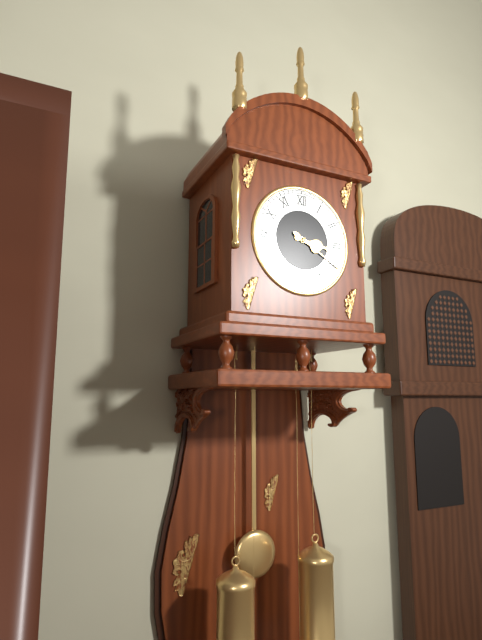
3:20
